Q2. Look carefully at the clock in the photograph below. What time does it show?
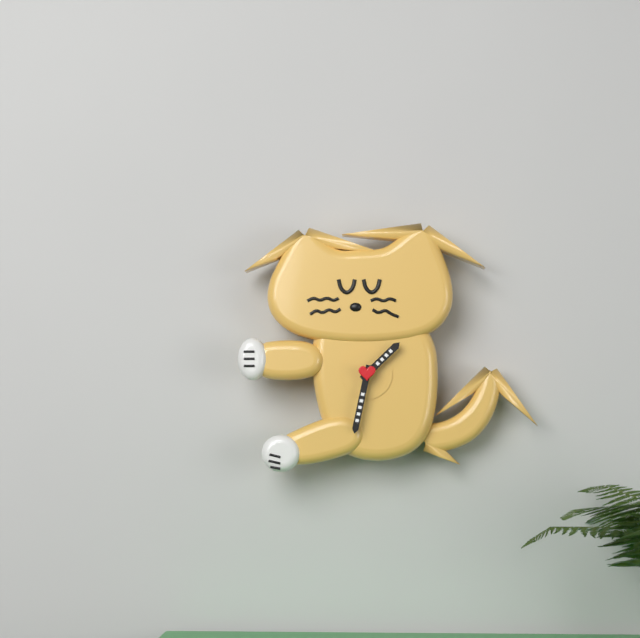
1:32
